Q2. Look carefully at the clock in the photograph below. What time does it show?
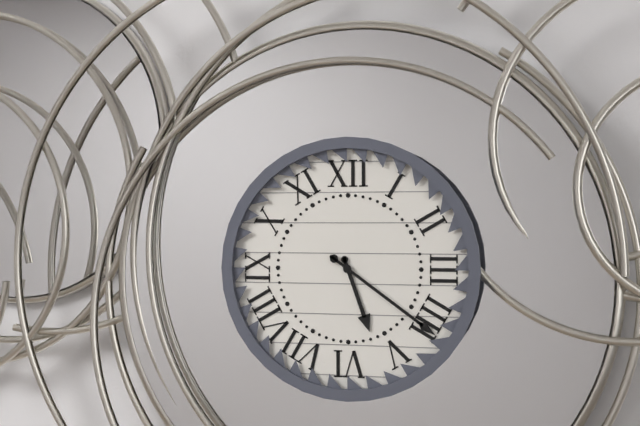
5:21
